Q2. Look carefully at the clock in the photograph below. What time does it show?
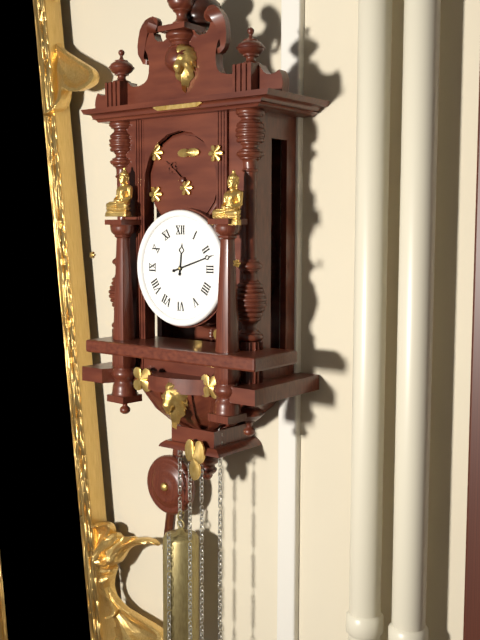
12:12
